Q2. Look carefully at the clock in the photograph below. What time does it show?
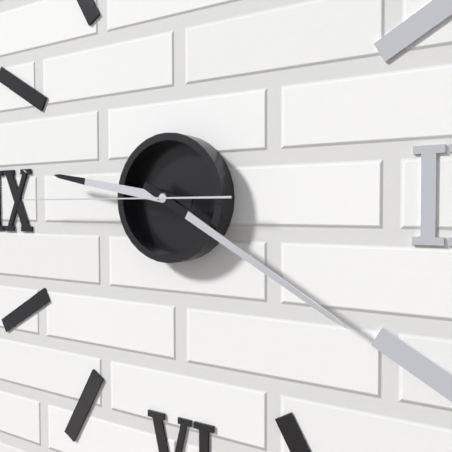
9:20:45
